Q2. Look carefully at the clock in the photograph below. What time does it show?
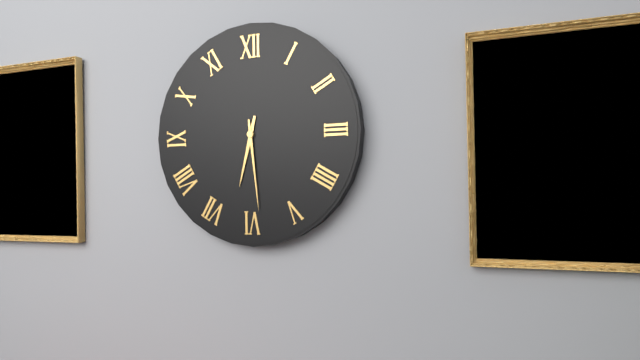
6:29
